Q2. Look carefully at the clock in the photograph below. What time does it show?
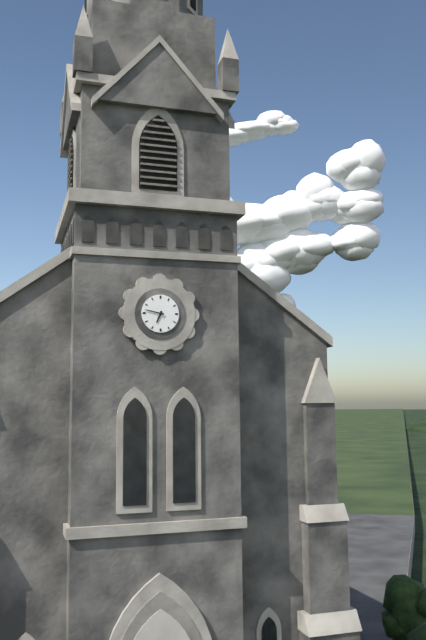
6:47
